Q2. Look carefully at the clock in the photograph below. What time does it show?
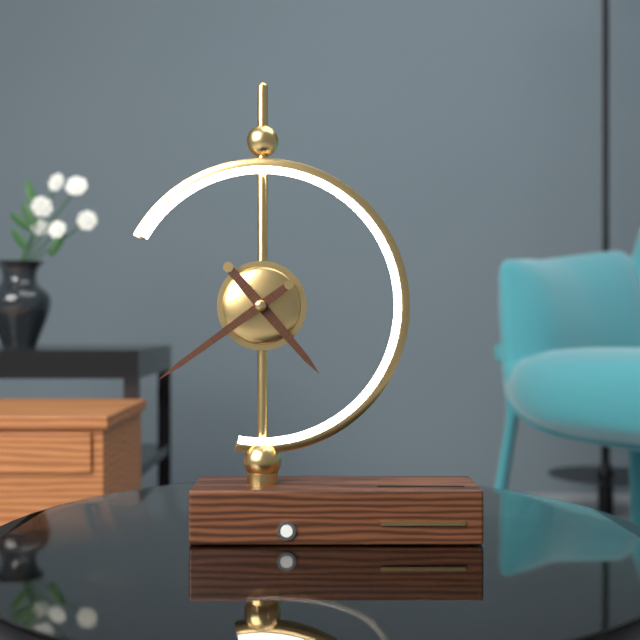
4:39
